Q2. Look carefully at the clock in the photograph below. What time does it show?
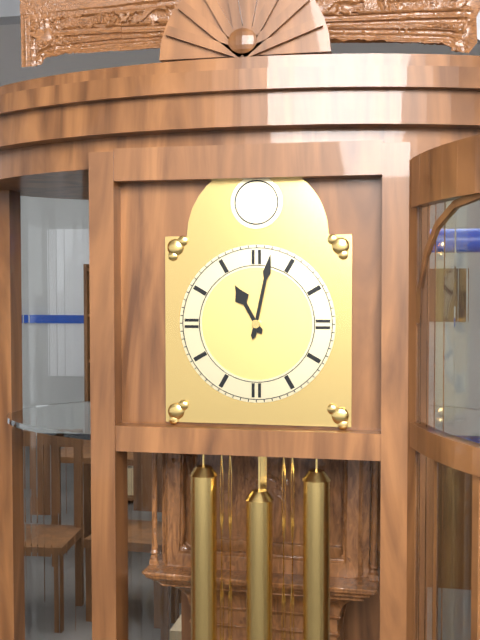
11:02
